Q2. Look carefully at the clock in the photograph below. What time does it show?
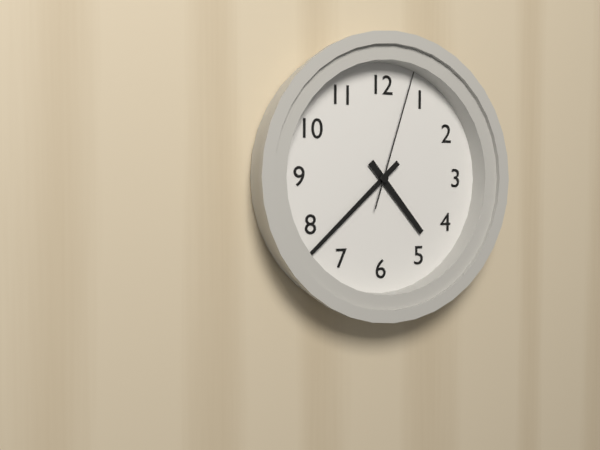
4:38:03
